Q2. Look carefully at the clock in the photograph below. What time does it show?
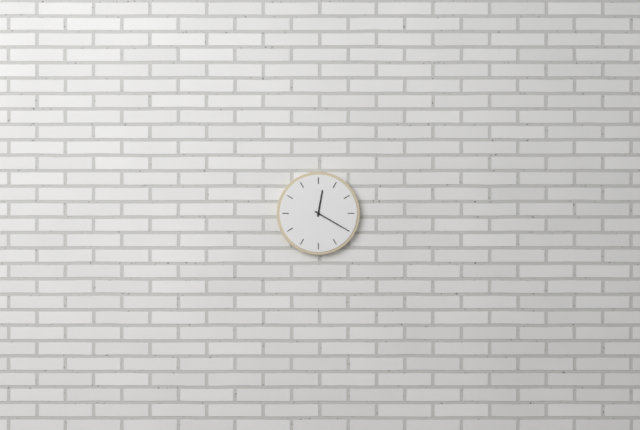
12:20
